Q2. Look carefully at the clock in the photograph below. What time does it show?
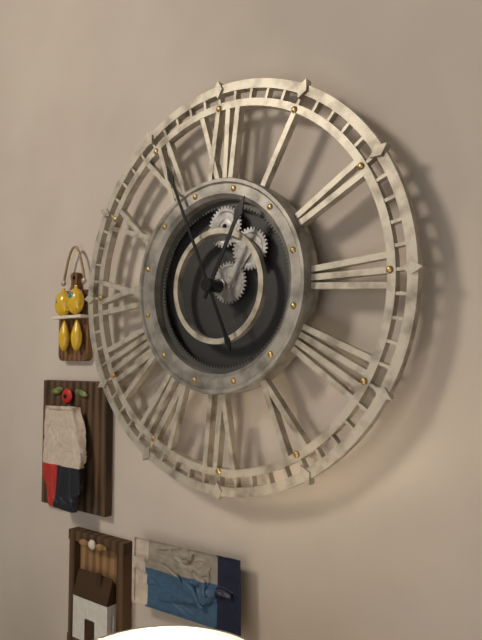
12:56
